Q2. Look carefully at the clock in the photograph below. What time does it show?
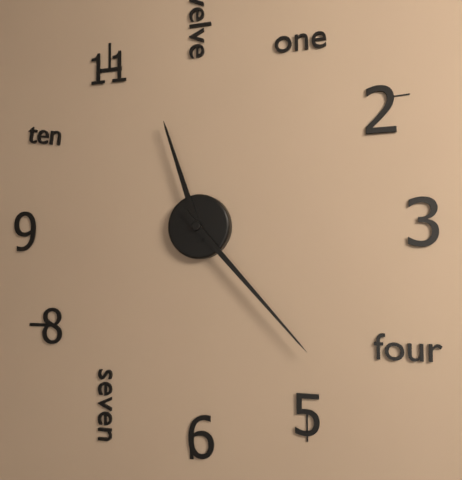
11:23
